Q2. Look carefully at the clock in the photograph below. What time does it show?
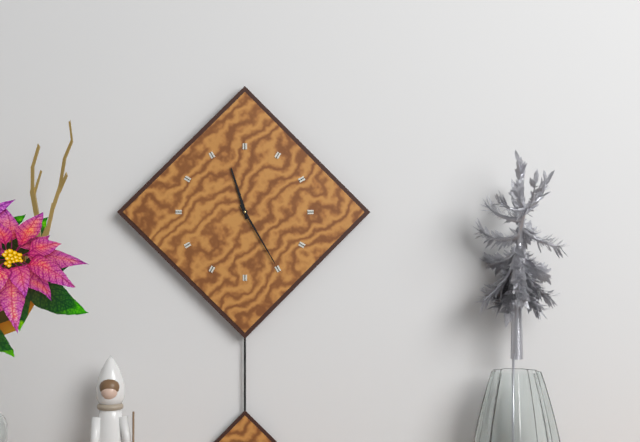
11:25
